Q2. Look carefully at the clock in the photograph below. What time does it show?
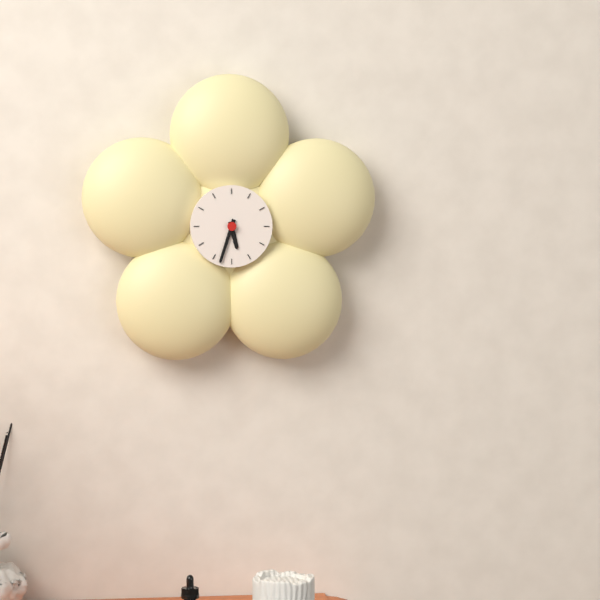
5:33
